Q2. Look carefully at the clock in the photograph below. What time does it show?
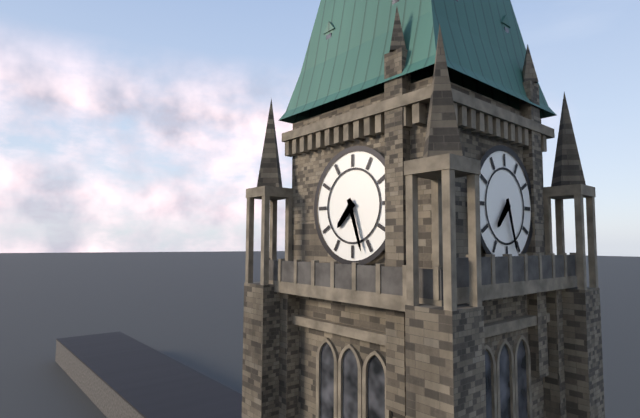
7:27
